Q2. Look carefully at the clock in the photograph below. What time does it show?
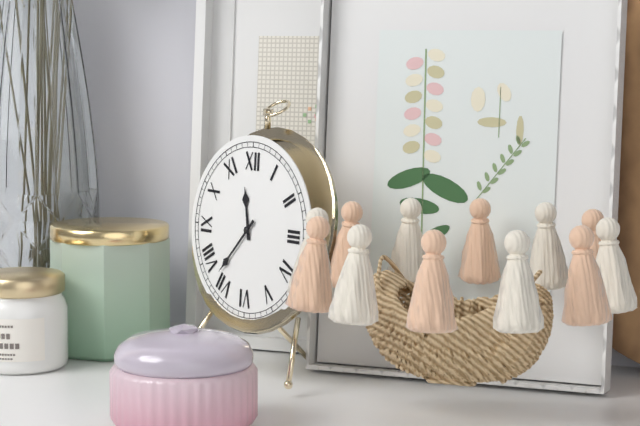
11:37
